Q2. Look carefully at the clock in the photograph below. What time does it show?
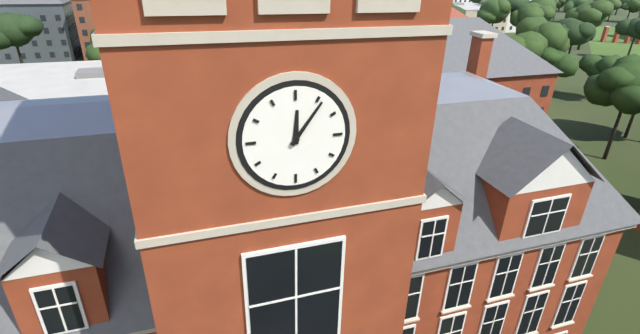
12:06
